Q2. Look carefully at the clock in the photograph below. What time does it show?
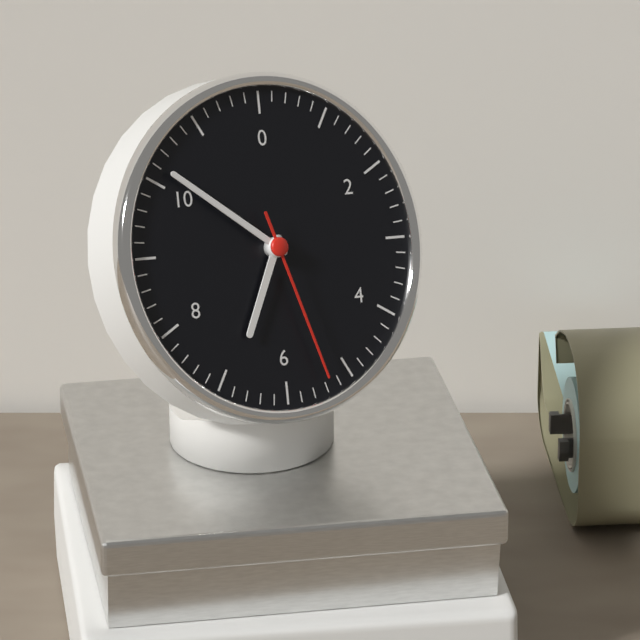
6:51:27
